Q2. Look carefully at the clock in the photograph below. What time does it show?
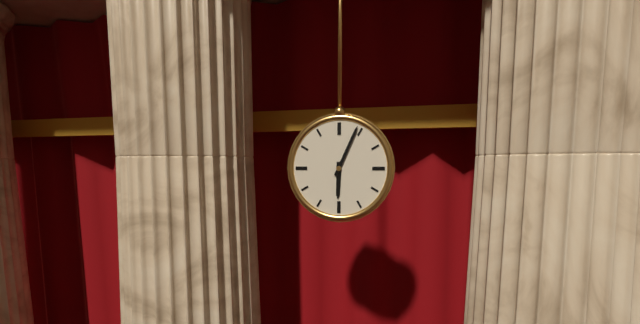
6:04
